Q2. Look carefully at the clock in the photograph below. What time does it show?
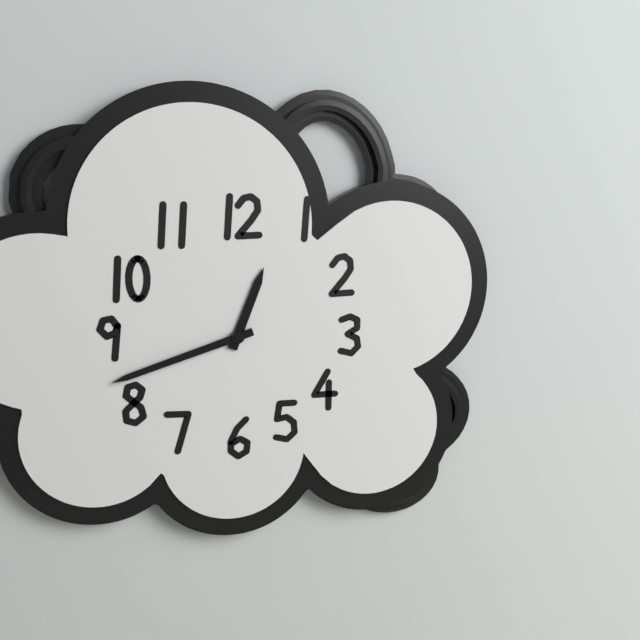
12:42
